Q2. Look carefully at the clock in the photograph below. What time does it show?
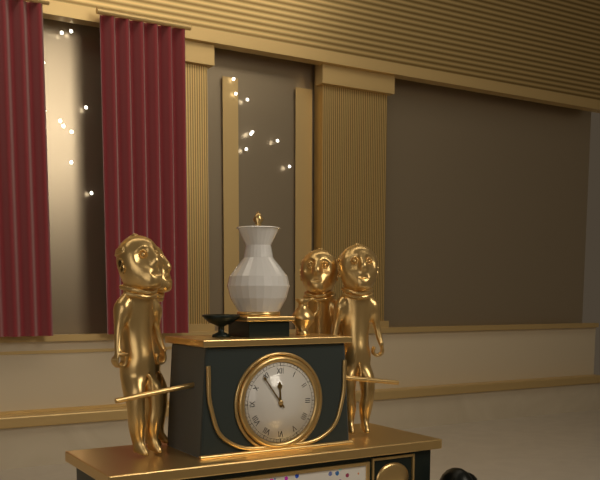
11:54
